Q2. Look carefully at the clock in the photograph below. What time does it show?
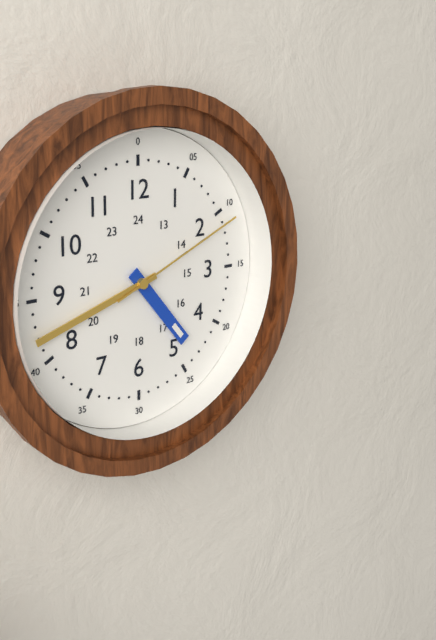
4:42:11
